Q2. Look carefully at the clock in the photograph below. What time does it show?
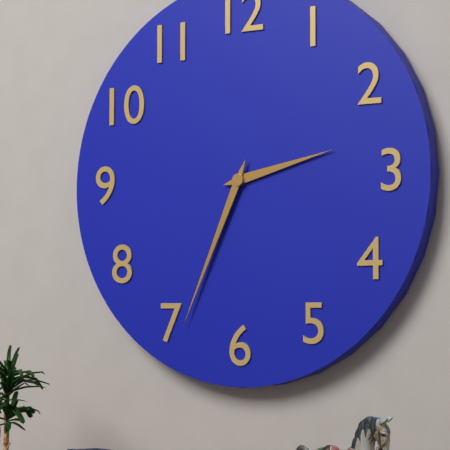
2:34
